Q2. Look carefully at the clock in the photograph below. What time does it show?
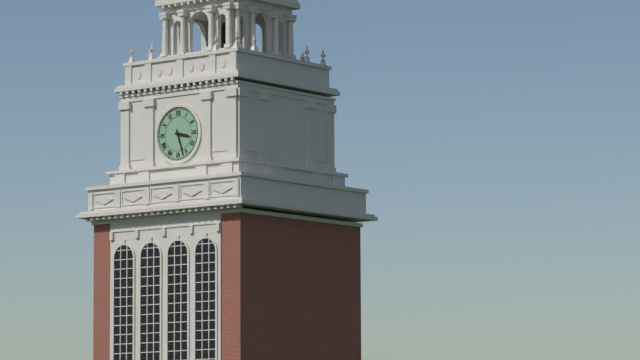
3:27
